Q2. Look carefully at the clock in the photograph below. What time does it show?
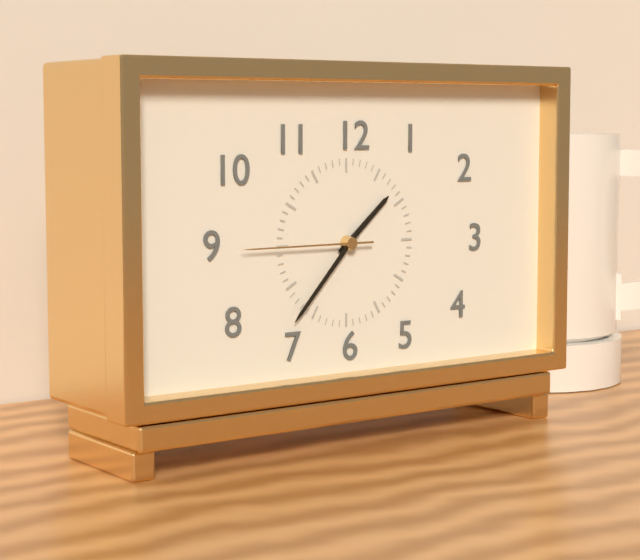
1:37:45
